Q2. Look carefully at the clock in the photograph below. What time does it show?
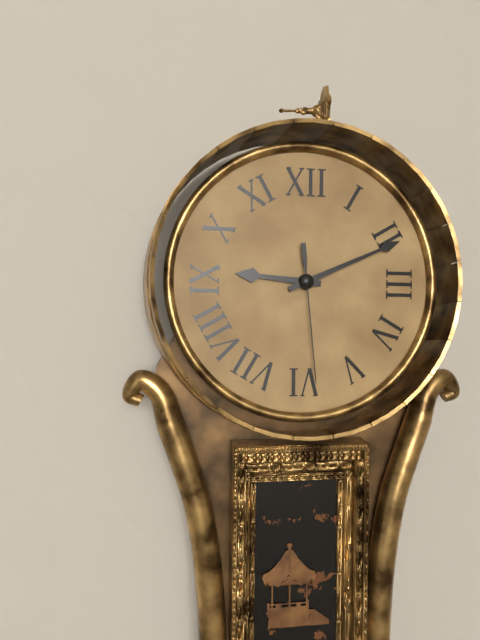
9:11:29
